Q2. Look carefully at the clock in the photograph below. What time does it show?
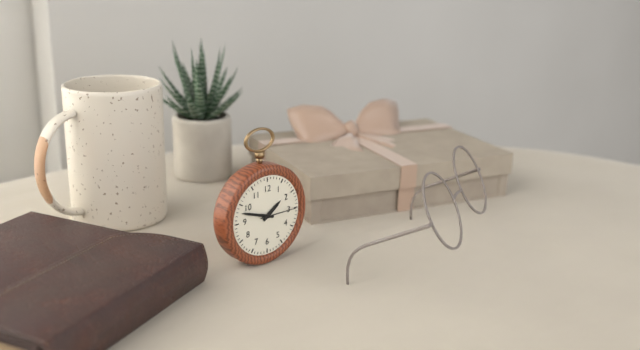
1:48
